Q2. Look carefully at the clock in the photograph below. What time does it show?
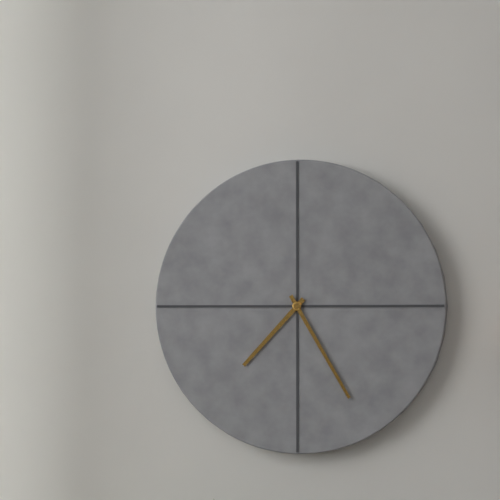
7:25
